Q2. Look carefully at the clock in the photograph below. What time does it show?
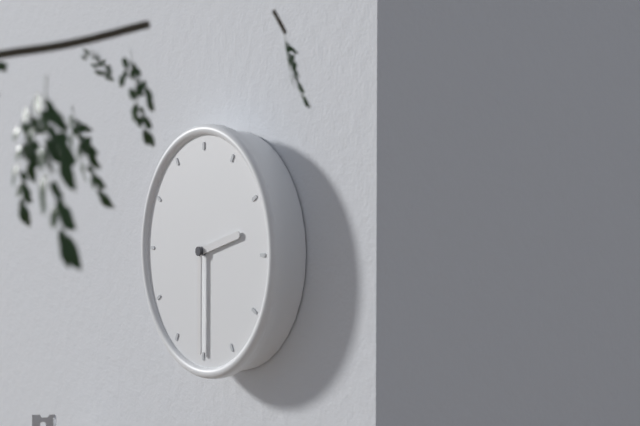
2:30
